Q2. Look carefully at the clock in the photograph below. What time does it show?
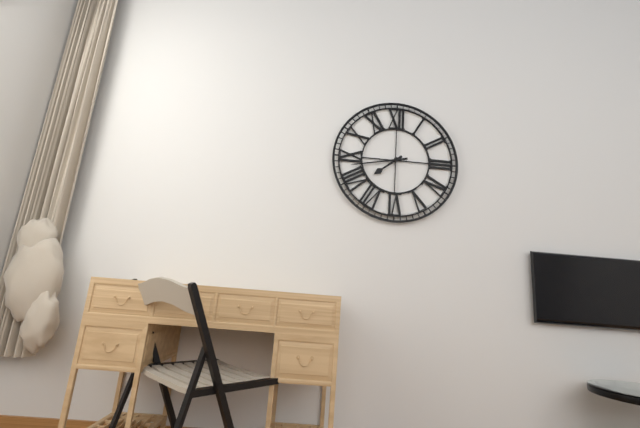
7:43
